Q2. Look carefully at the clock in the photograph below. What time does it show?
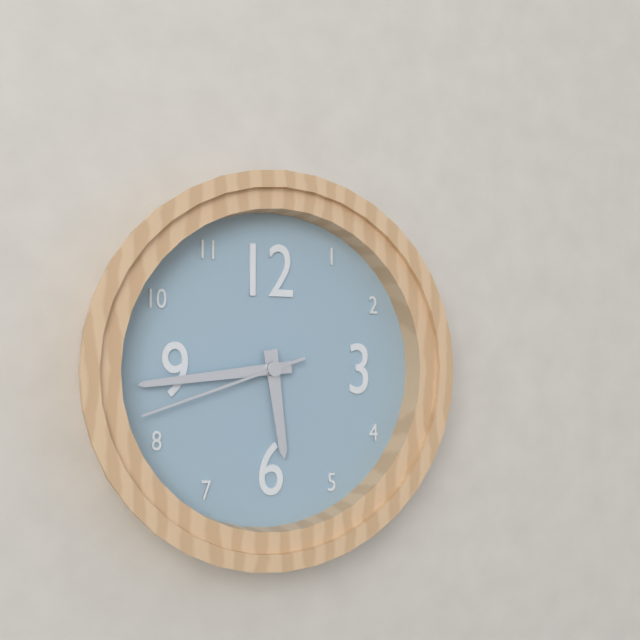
5:44:42
